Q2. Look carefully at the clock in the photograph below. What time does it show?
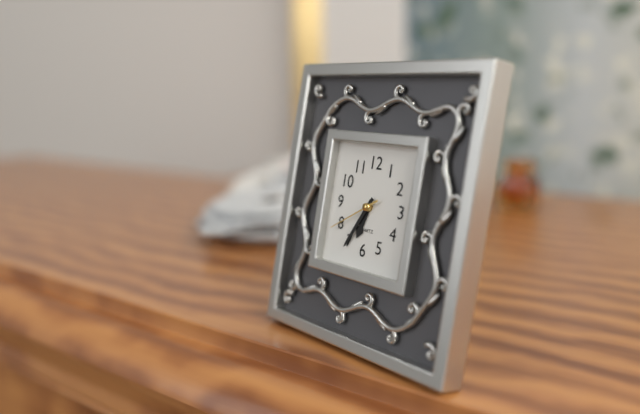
6:35:40
